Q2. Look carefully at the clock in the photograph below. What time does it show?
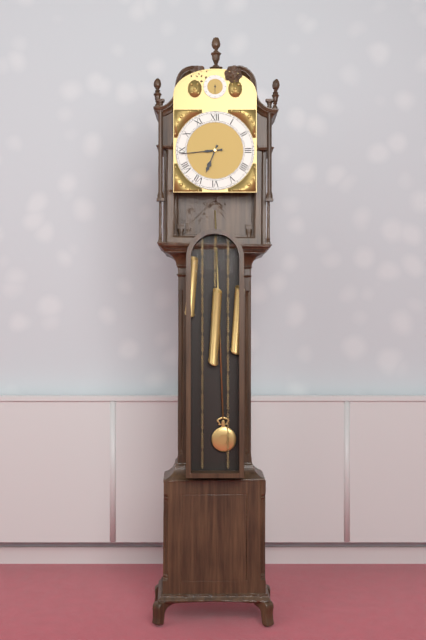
6:44
